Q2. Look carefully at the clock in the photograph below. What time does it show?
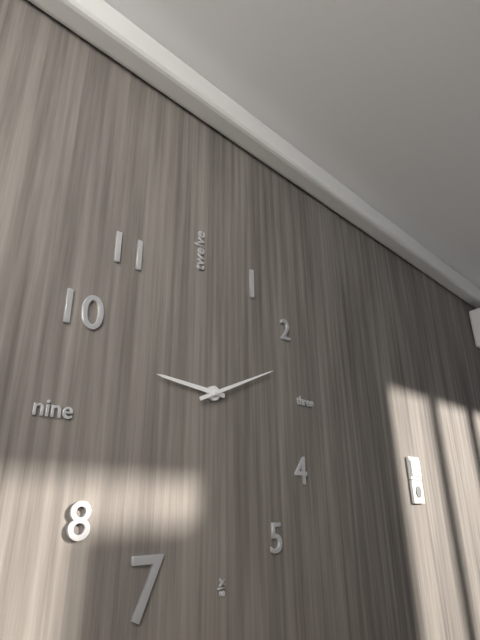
9:11
